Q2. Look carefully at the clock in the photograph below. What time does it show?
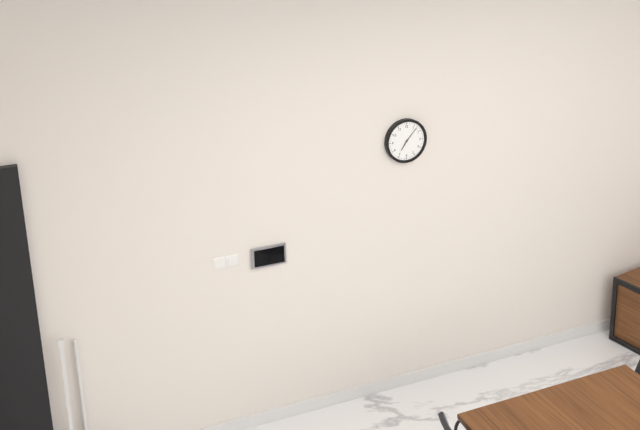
7:07
